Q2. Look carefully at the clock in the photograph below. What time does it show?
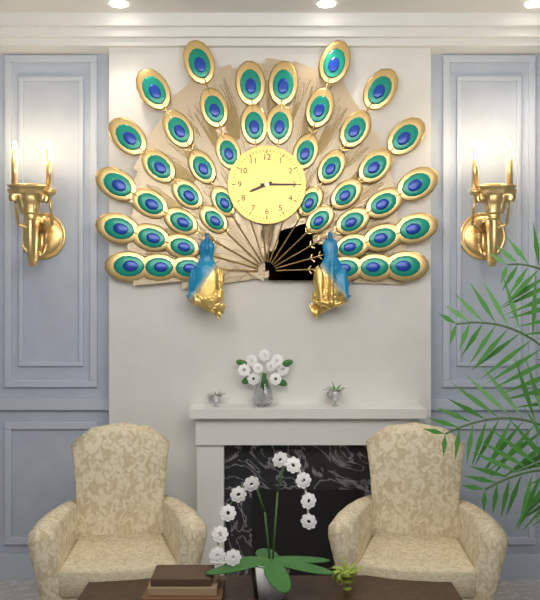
8:15
